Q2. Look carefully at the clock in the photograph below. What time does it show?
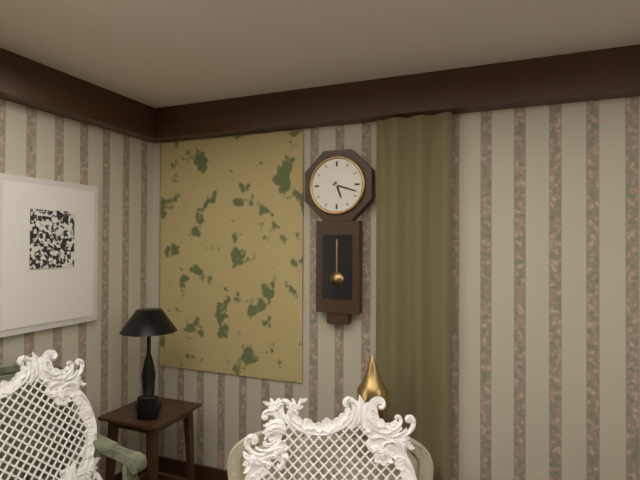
5:18
